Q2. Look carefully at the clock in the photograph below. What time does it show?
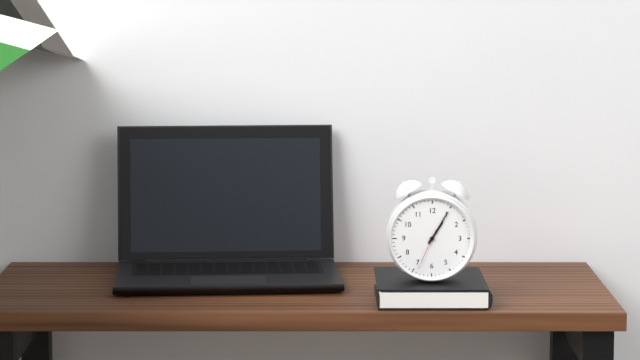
1:05
